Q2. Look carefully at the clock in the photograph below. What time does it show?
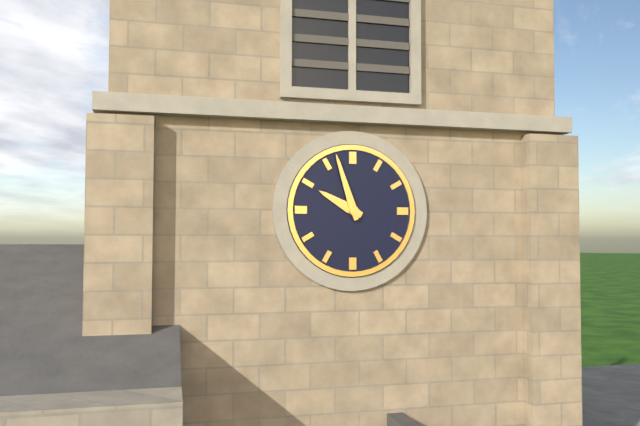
9:57
